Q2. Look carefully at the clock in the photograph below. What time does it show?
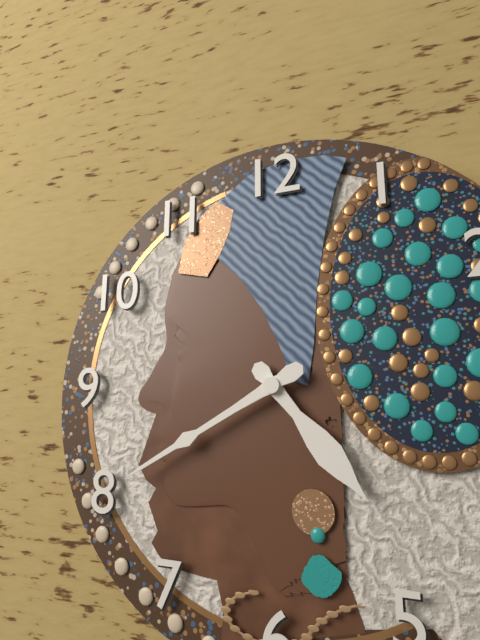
4:40
